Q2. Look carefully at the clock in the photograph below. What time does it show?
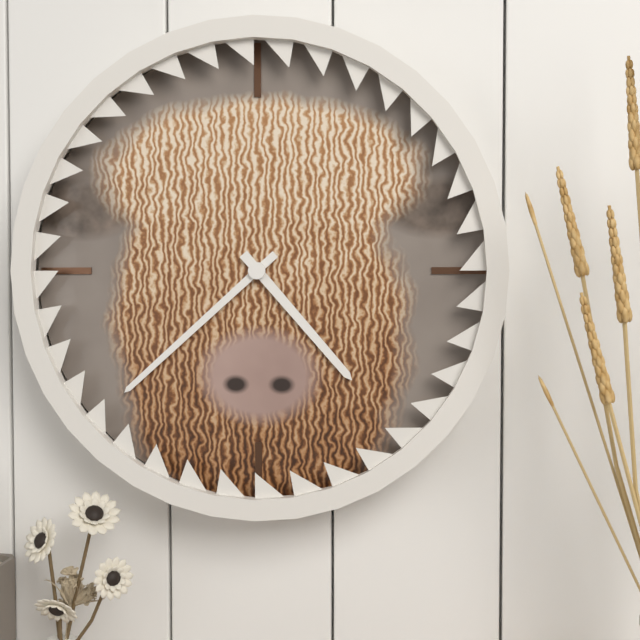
4:38
